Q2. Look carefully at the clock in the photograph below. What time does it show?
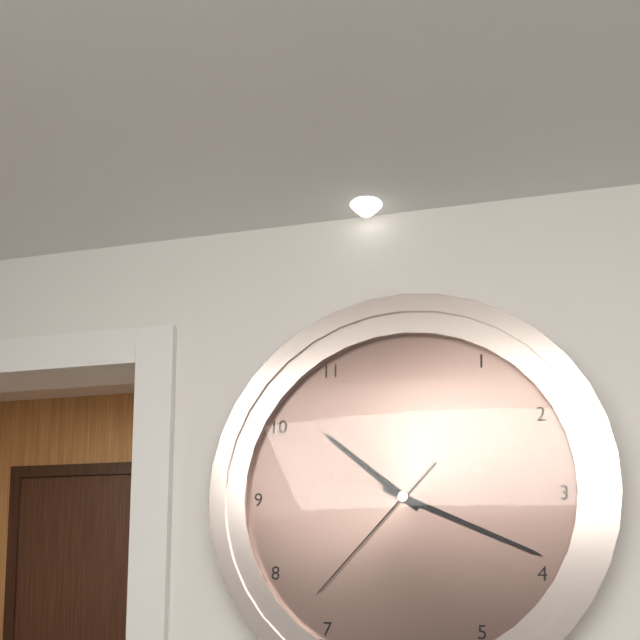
10:19:37
